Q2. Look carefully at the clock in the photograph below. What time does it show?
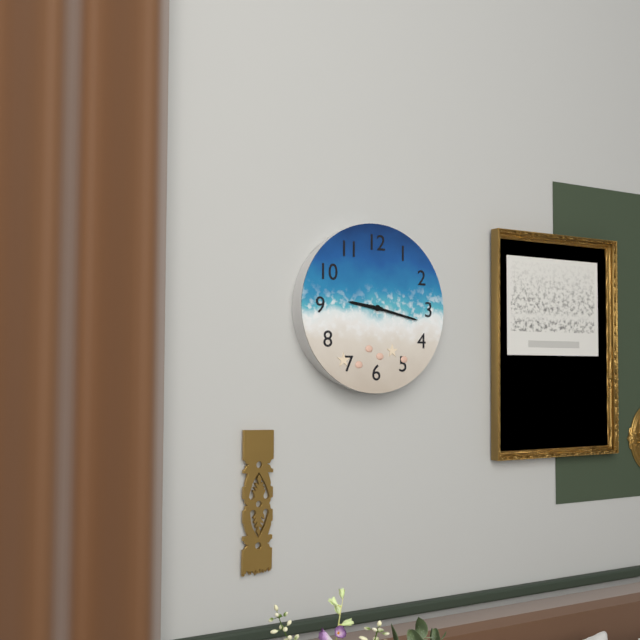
9:17
